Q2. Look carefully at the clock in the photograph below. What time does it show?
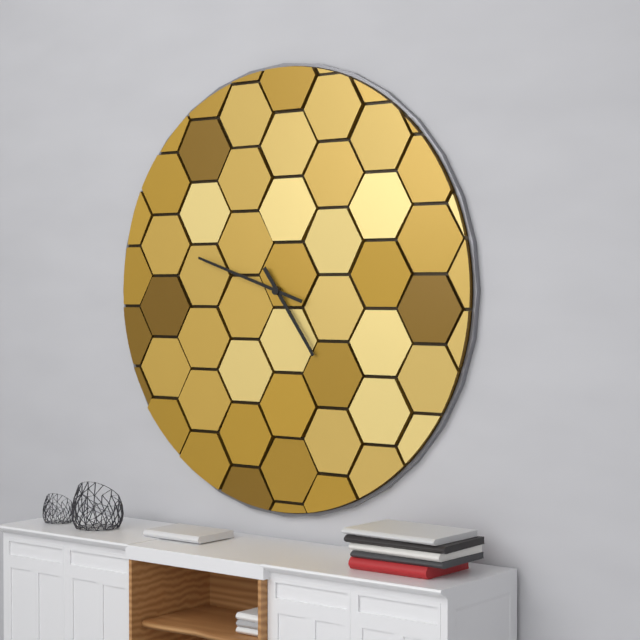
4:48
